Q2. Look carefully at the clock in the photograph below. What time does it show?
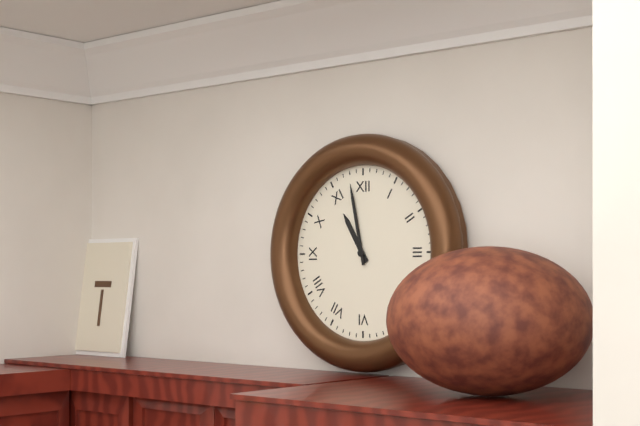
10:58
